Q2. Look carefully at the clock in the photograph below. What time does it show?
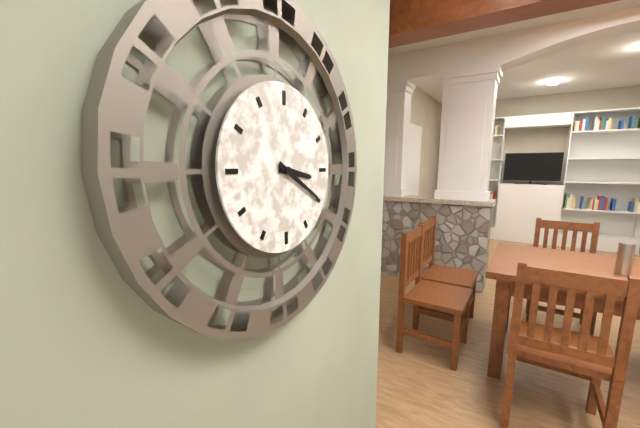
3:20
